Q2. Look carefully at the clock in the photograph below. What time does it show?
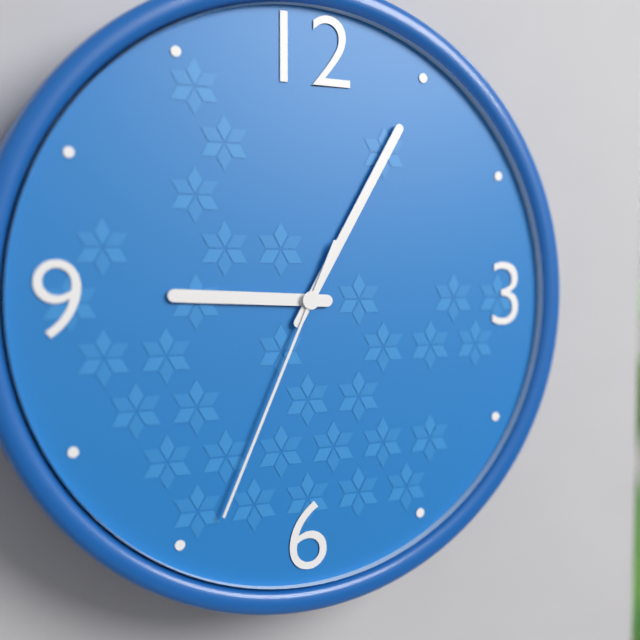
9:05:34
